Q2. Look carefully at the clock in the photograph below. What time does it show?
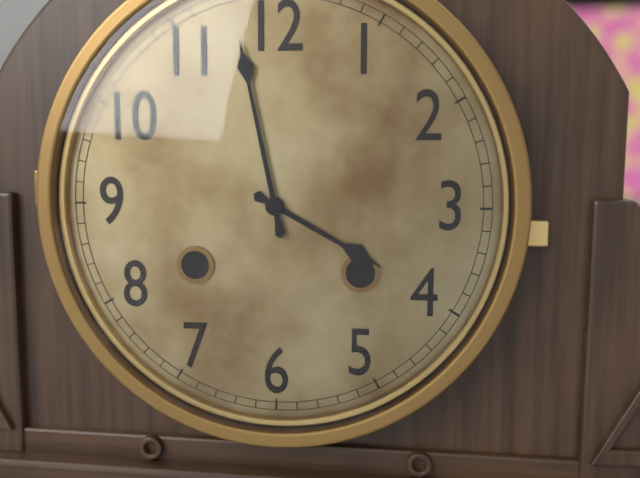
3:58
